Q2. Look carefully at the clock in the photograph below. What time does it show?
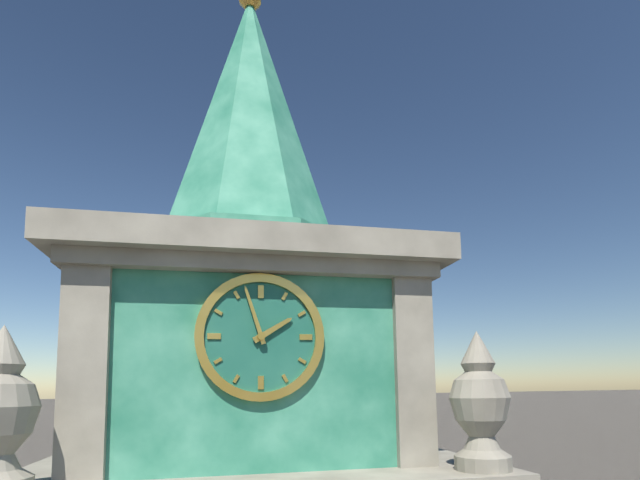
1:57
